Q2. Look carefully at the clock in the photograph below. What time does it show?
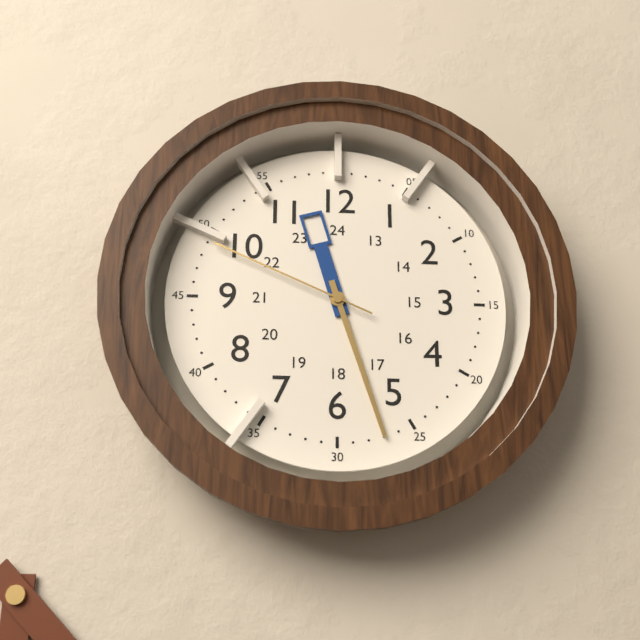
11:27:49
